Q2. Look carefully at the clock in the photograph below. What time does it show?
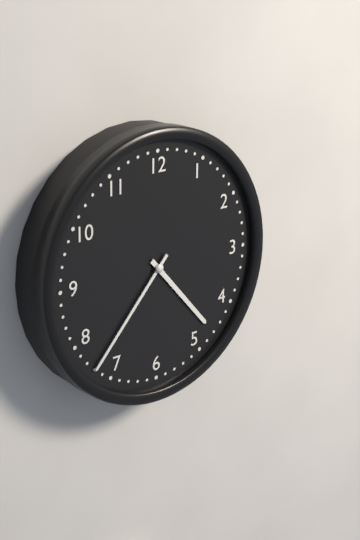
4:37
